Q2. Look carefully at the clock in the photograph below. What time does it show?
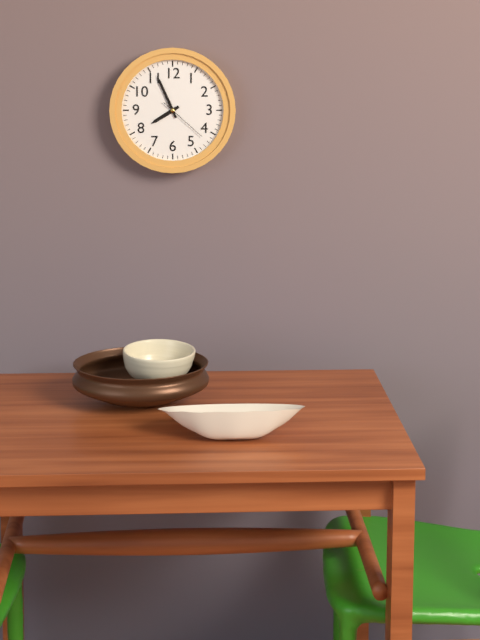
7:56
